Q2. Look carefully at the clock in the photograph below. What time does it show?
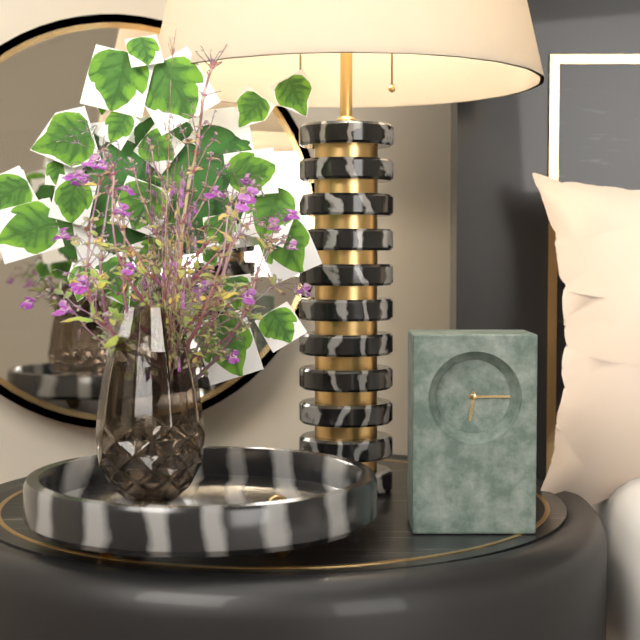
6:15
